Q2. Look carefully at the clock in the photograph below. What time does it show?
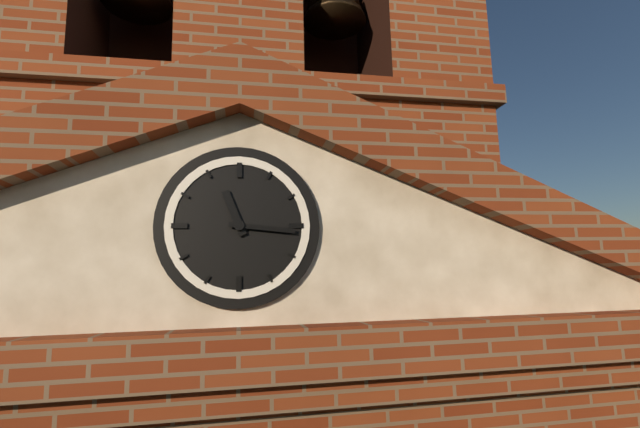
11:16
